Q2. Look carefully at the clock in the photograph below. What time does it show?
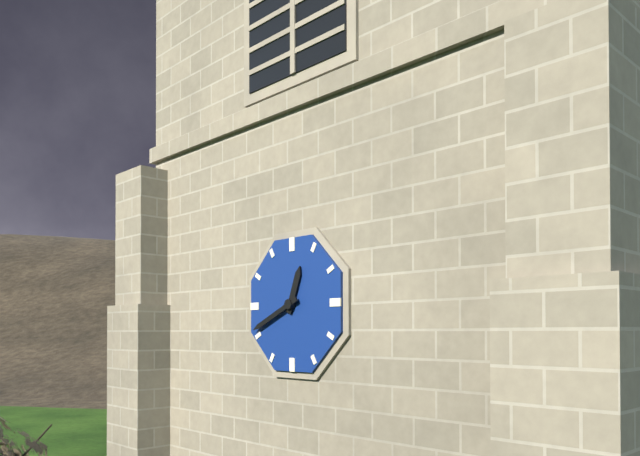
12:41
